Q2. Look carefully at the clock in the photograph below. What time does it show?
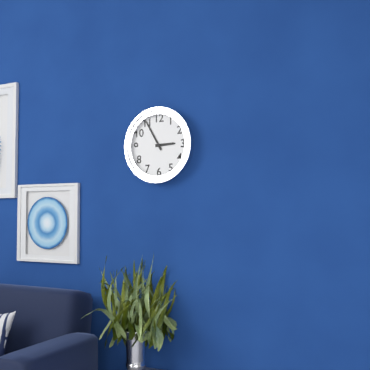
2:55
